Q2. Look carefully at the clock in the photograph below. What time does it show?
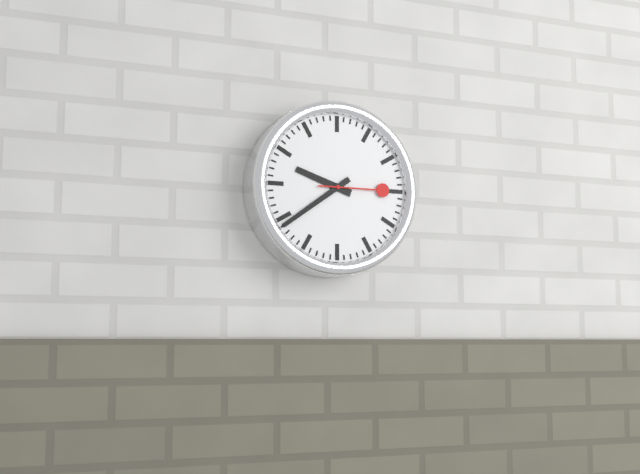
9:39:15
